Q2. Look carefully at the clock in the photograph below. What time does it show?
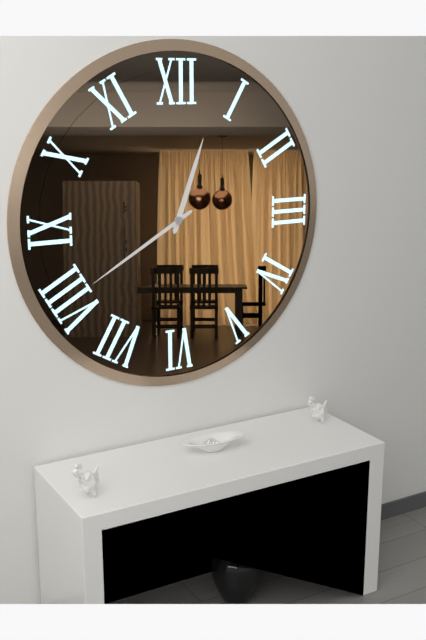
12:40
